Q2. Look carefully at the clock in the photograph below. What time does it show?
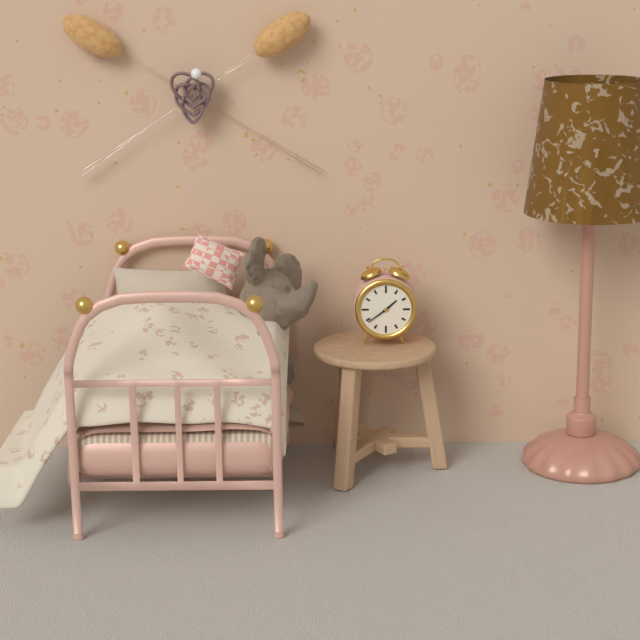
1:39
